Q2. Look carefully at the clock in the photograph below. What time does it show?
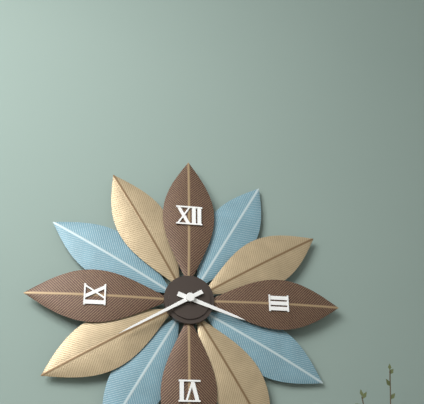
3:40
